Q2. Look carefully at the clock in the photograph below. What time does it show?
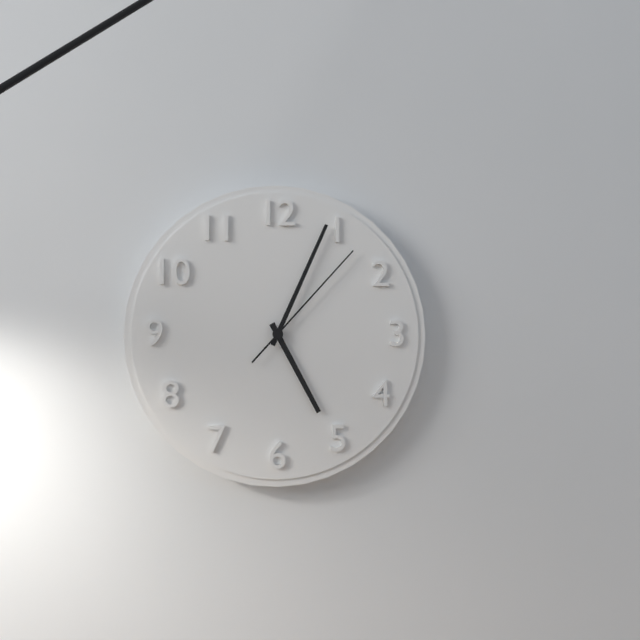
5:04:07
